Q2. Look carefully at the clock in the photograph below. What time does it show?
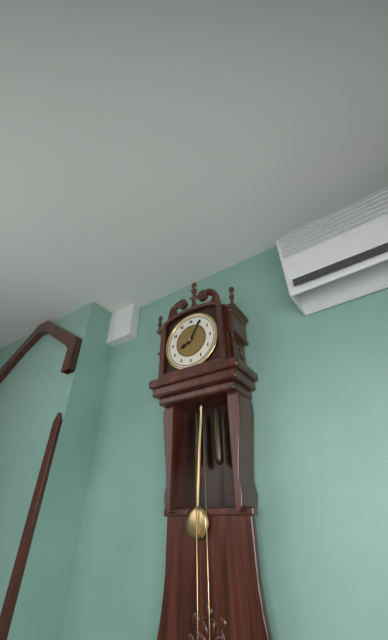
8:05
